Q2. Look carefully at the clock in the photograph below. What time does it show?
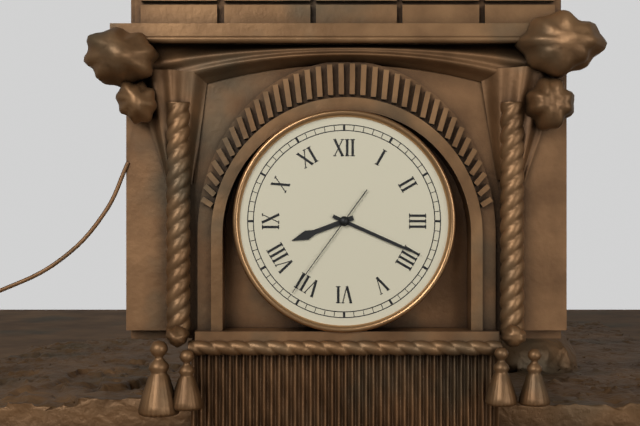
8:19:36
